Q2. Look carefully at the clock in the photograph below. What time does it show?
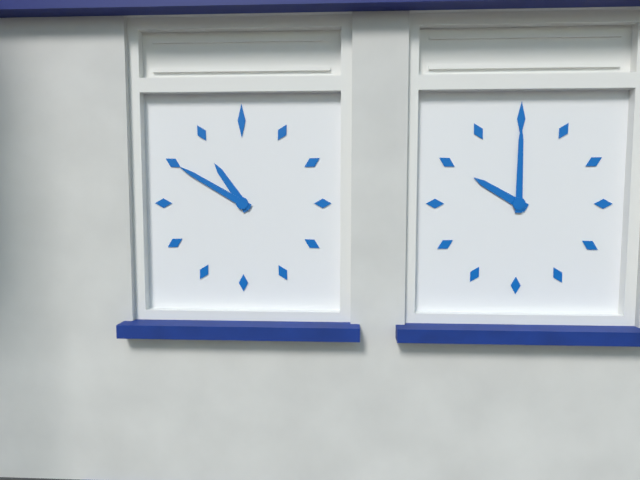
10:50
